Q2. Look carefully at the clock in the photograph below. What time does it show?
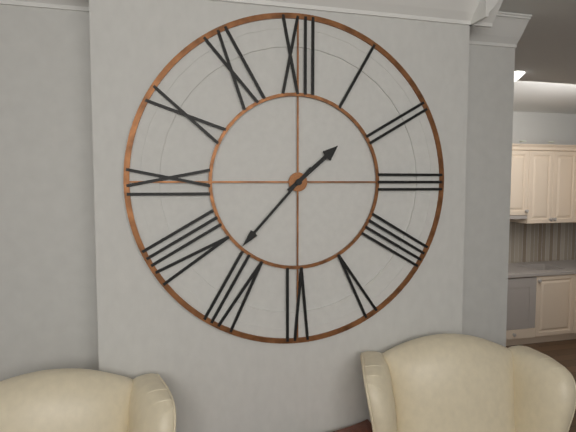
1:37
